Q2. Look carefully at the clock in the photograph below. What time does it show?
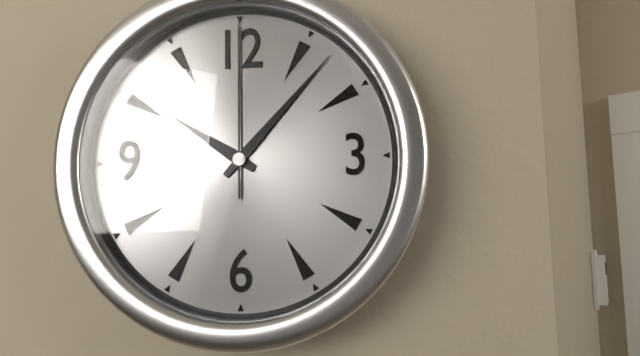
10:07:00
